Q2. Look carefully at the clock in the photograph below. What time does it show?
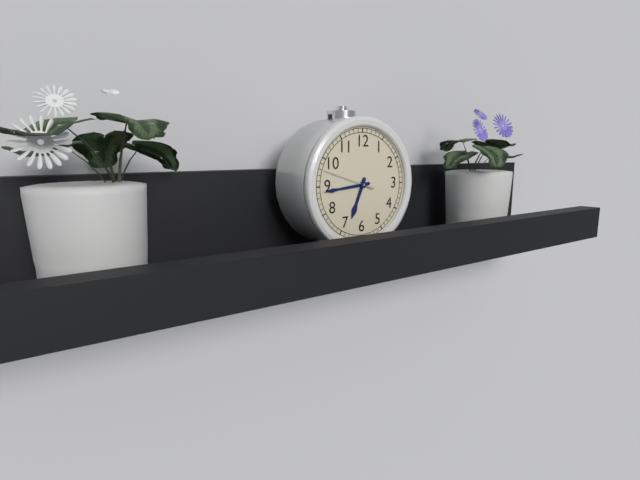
6:44:48
